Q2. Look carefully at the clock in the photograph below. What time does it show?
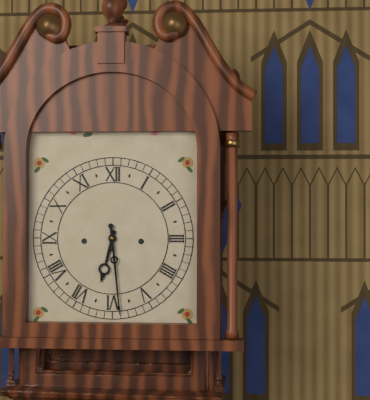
6:29
